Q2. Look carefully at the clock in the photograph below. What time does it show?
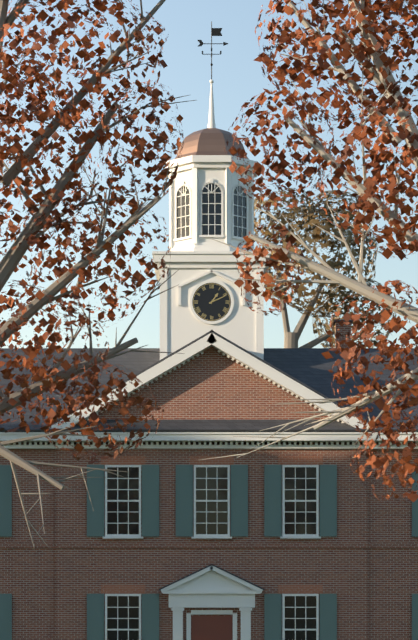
1:11
